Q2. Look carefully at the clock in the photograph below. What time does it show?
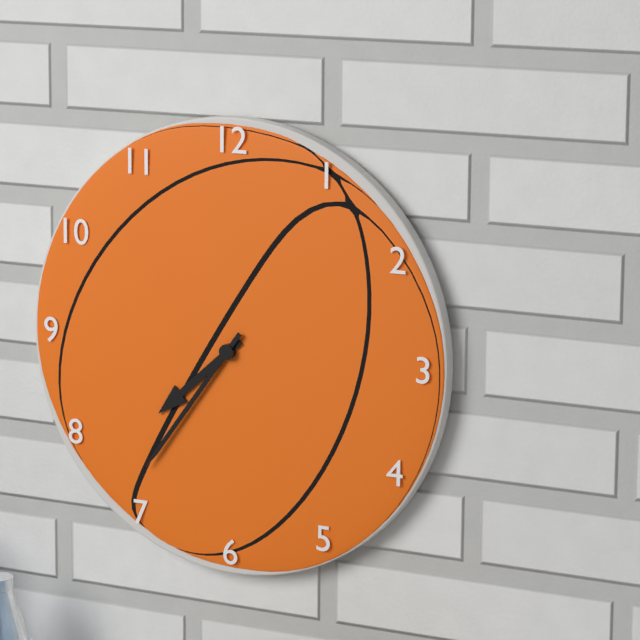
7:36
